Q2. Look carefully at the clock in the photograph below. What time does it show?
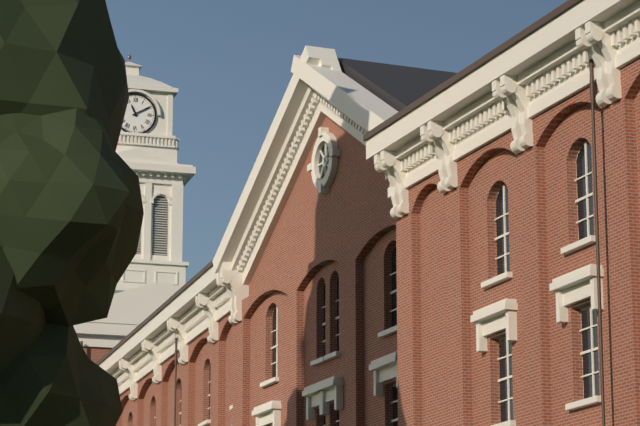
11:10
